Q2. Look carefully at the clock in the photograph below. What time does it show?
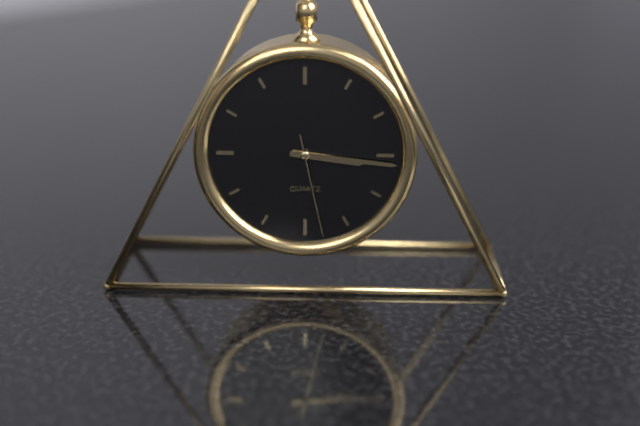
3:16:28
